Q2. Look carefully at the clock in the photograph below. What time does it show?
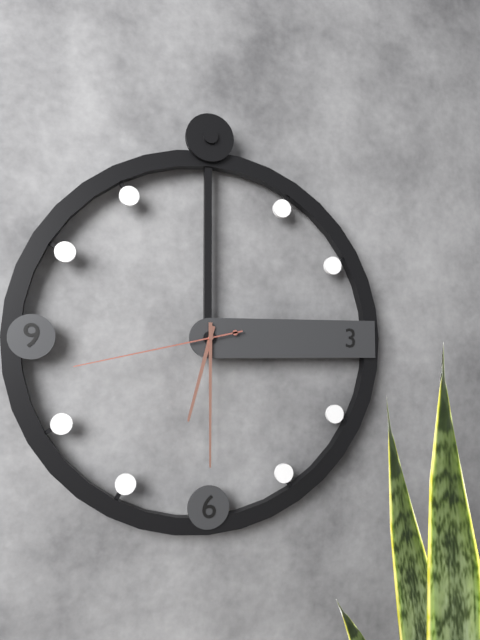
6:30:43
